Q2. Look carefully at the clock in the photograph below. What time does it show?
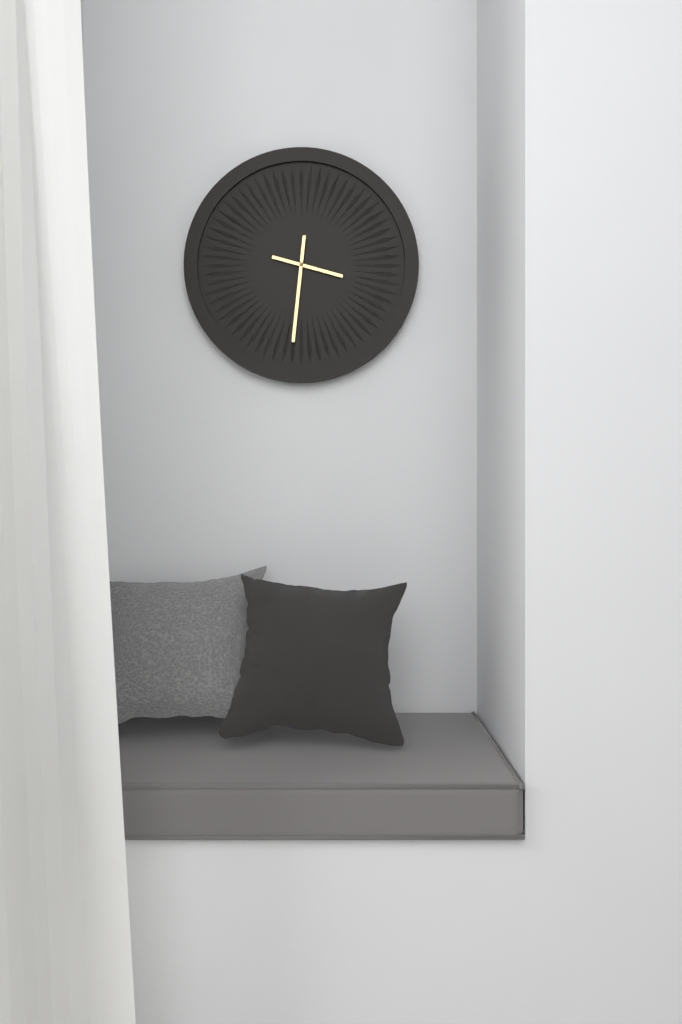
3:31
